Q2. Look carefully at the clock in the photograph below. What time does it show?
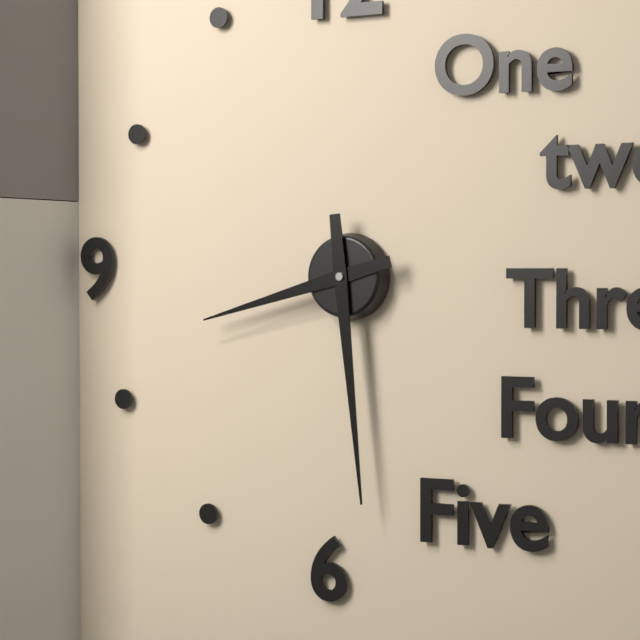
8:29
